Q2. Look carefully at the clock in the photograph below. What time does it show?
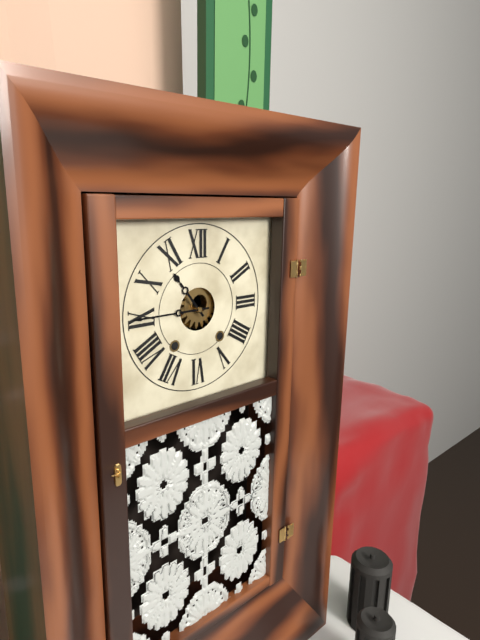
10:45
